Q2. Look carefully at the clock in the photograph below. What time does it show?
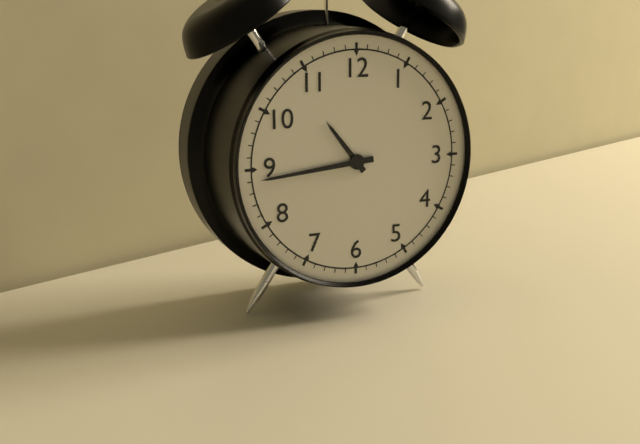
10:44
